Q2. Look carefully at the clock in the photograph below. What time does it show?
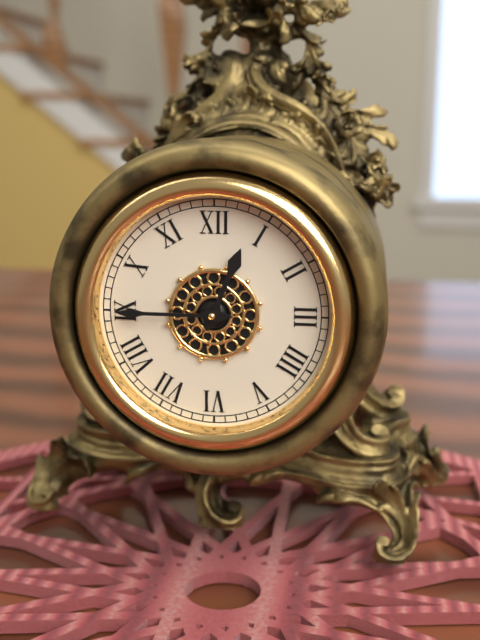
12:45
